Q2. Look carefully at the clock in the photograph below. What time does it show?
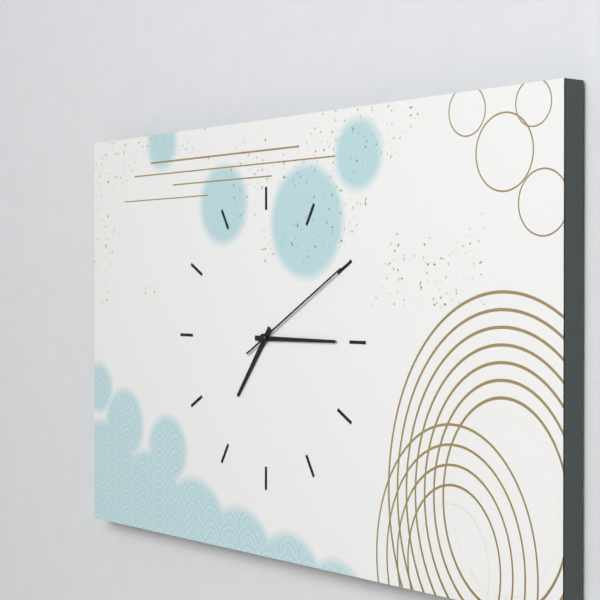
7:15:10
